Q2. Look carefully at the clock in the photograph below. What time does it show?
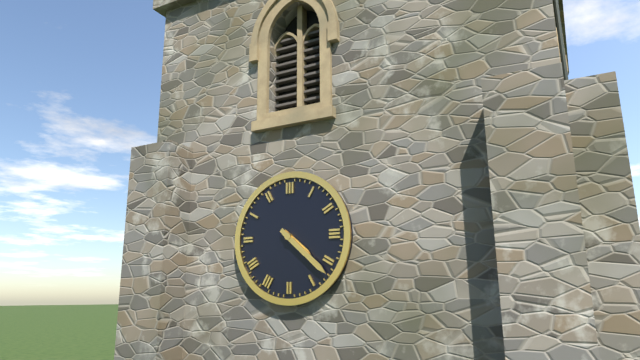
4:22
